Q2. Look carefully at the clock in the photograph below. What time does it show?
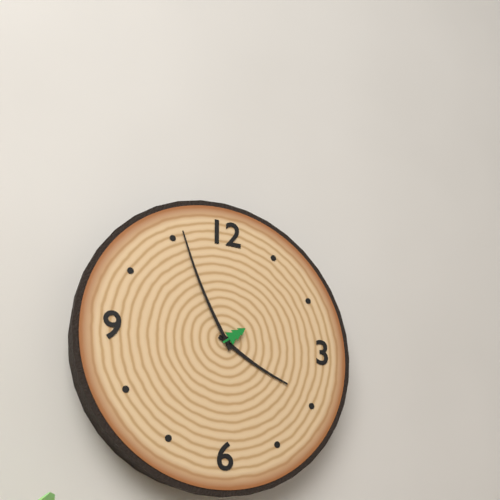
3:56
